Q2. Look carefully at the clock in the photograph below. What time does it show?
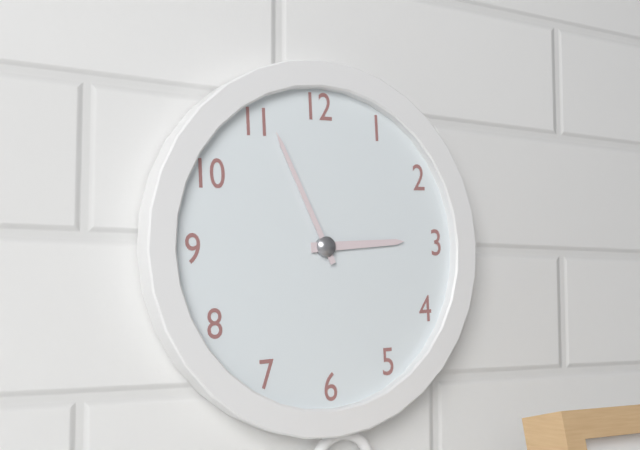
2:56
